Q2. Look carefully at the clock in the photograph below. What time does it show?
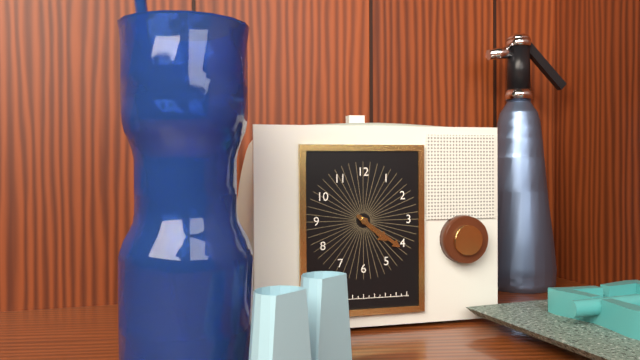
4:21
